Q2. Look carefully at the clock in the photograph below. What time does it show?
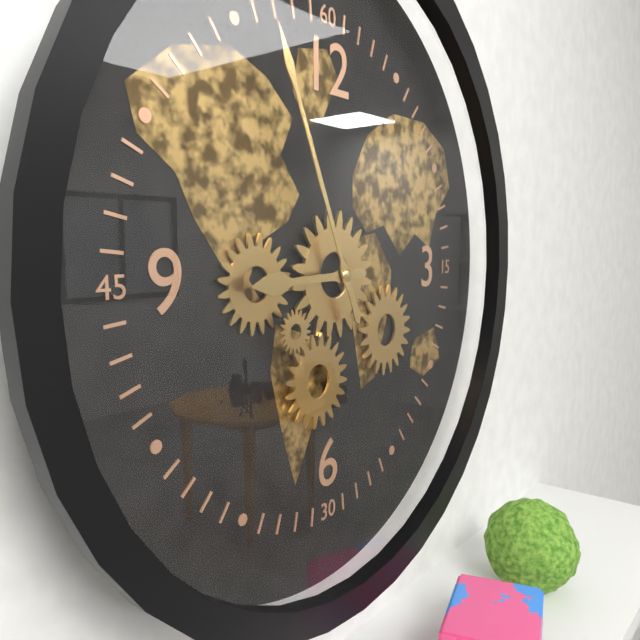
8:56
